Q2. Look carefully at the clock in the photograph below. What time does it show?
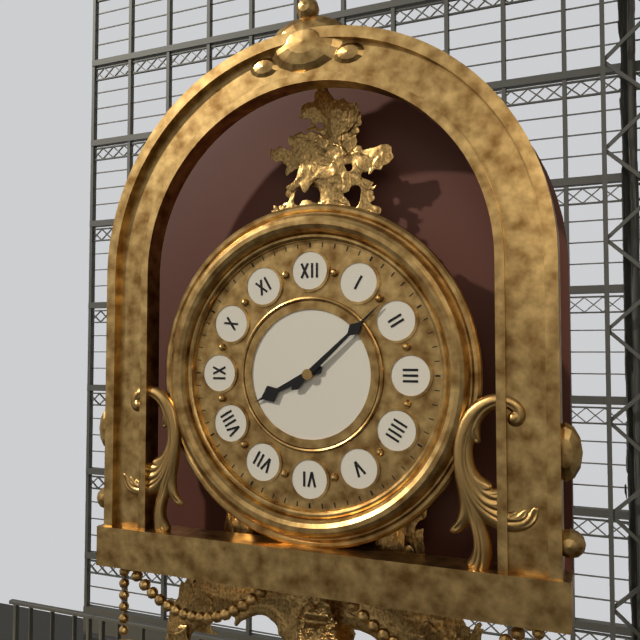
8:08
